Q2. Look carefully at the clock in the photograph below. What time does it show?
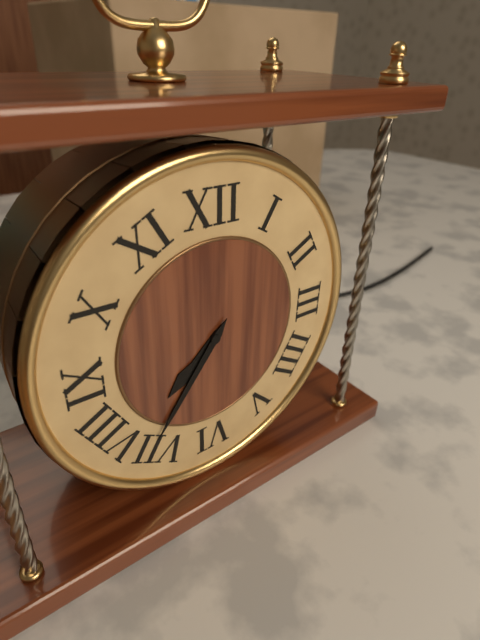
7:36
